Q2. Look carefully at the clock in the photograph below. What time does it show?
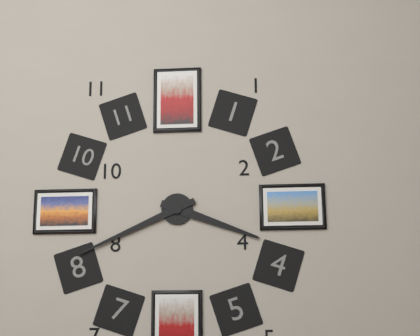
3:41
